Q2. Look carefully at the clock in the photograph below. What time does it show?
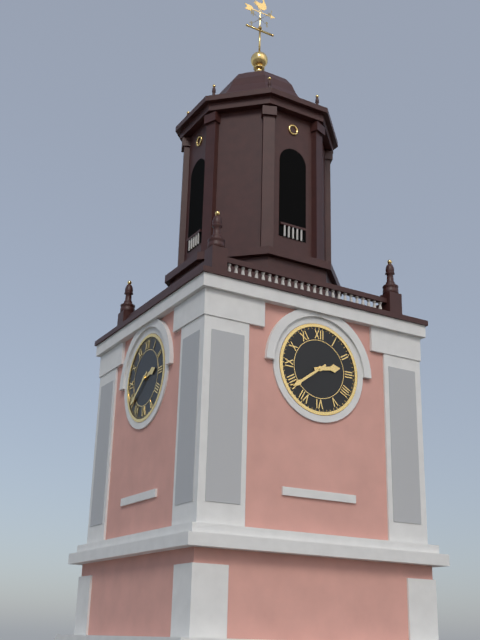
2:39
